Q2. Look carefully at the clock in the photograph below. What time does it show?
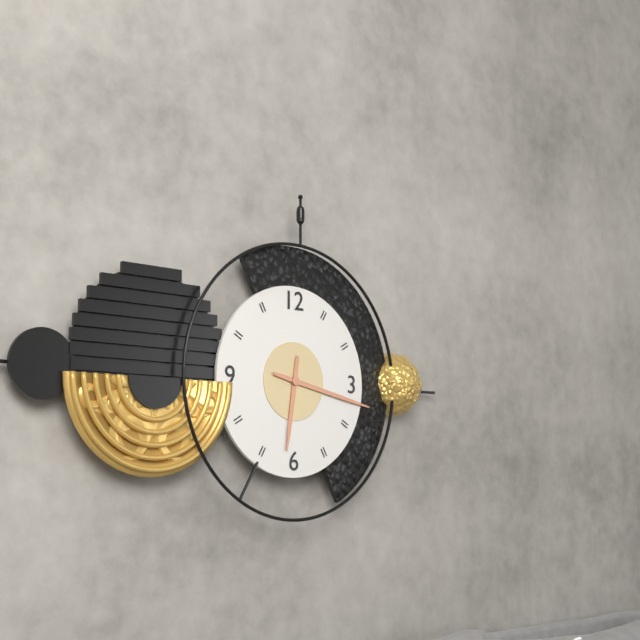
6:17
